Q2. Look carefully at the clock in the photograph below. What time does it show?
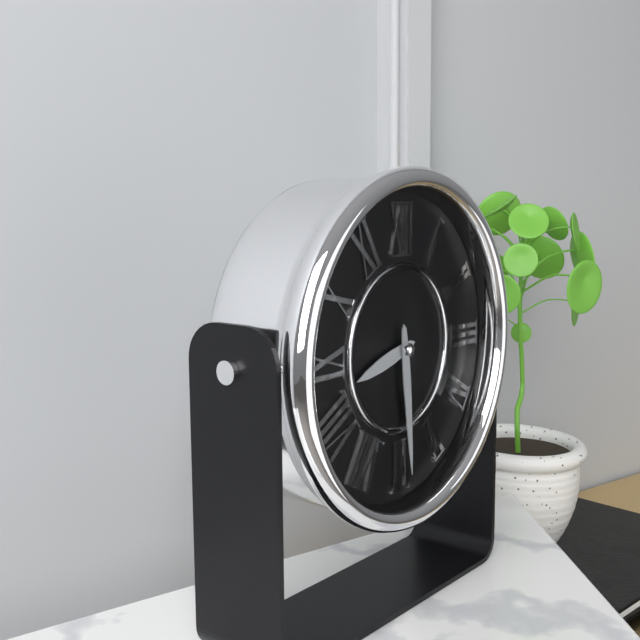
8:29
